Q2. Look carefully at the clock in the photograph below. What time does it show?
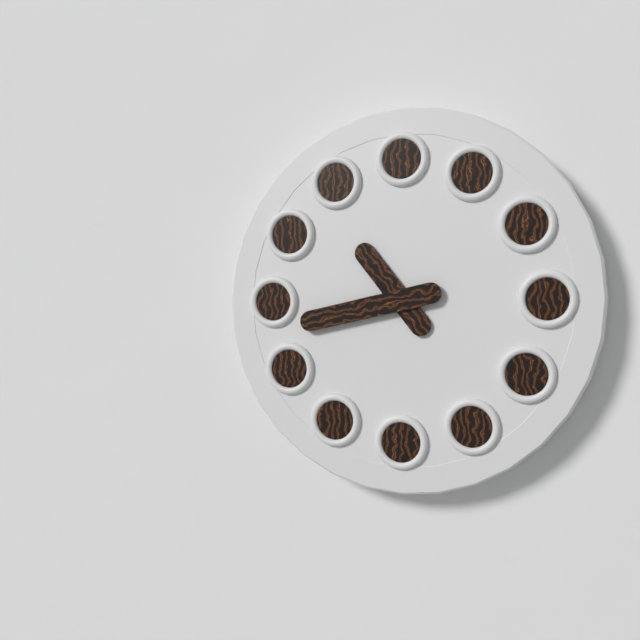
10:43
